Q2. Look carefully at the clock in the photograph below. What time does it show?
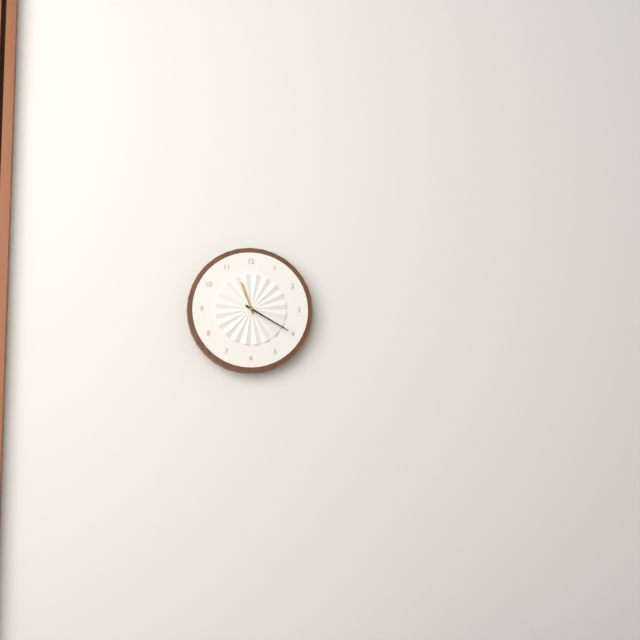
11:20
